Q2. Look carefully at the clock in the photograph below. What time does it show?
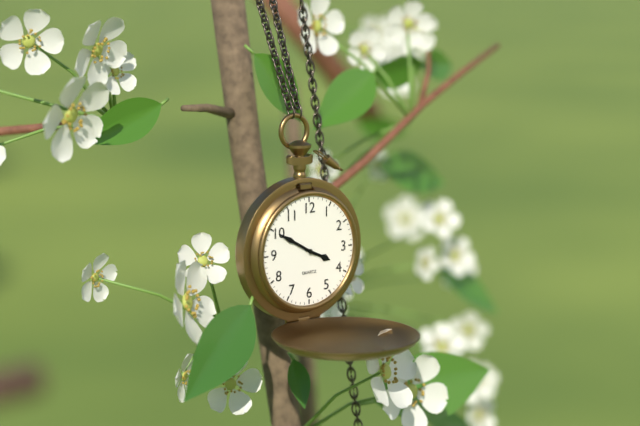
3:50
